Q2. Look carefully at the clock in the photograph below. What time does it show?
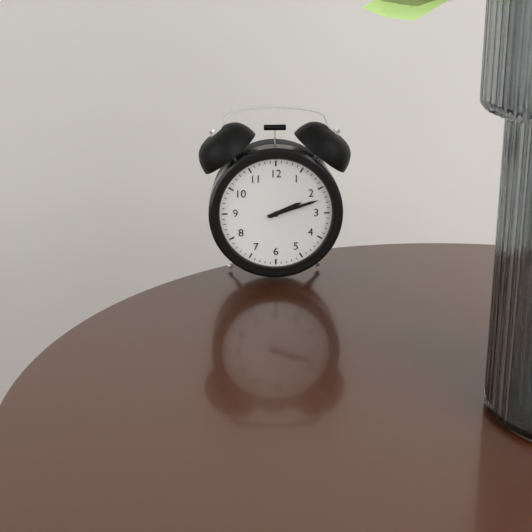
2:12
